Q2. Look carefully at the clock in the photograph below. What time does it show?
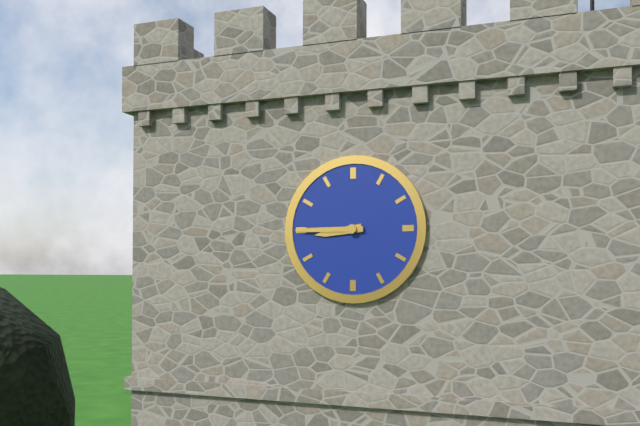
8:45
